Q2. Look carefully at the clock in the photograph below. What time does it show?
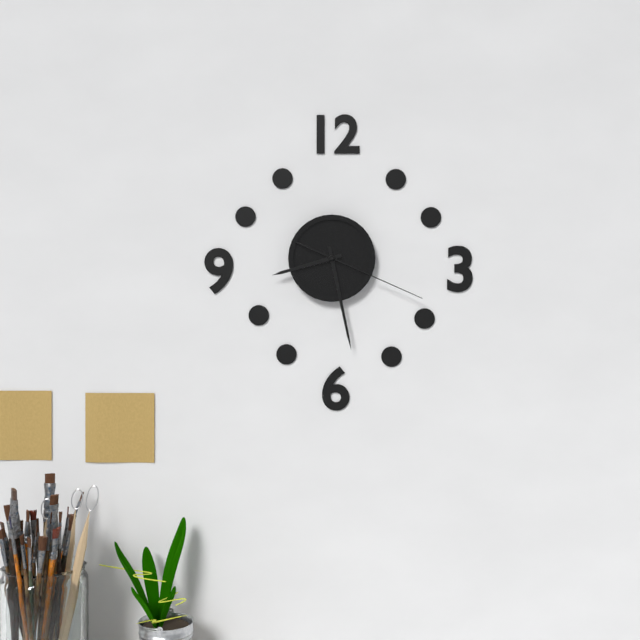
8:28:19
